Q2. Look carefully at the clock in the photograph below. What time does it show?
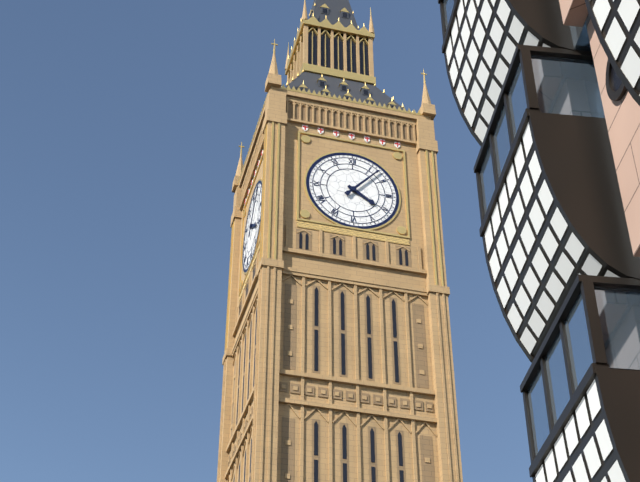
4:07
